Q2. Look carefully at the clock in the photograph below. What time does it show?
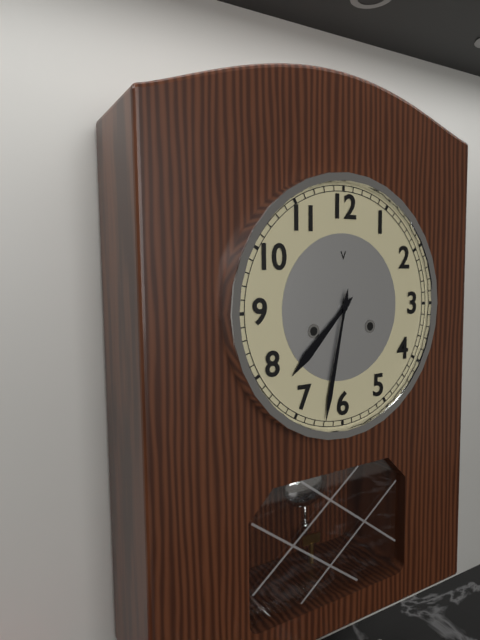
7:32
